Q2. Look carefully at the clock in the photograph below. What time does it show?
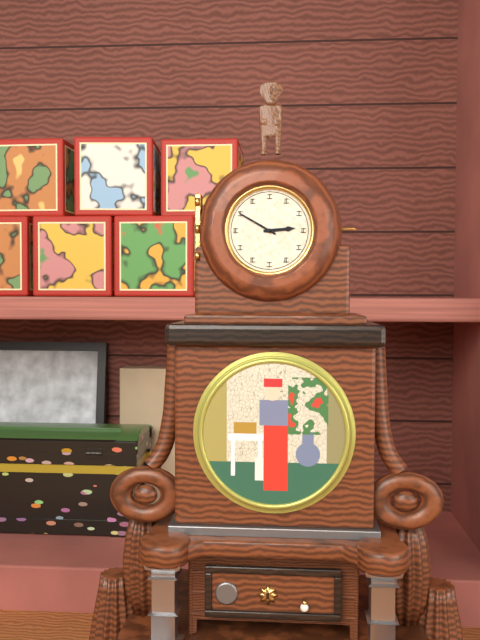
2:50
